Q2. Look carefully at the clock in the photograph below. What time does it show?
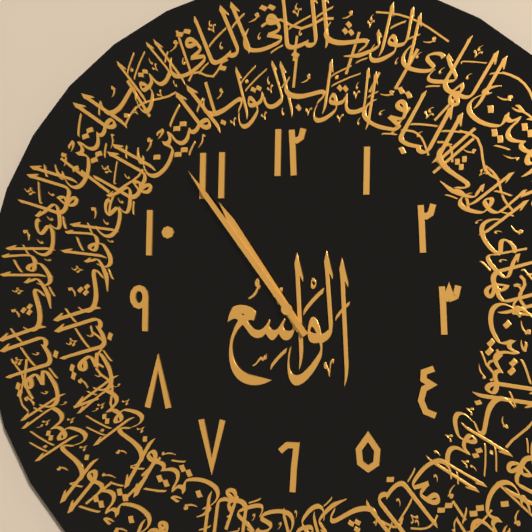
10:54
